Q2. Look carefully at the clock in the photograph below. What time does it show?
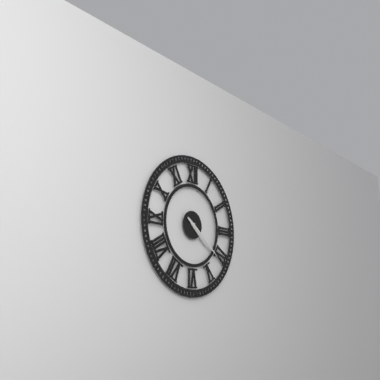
4:21
